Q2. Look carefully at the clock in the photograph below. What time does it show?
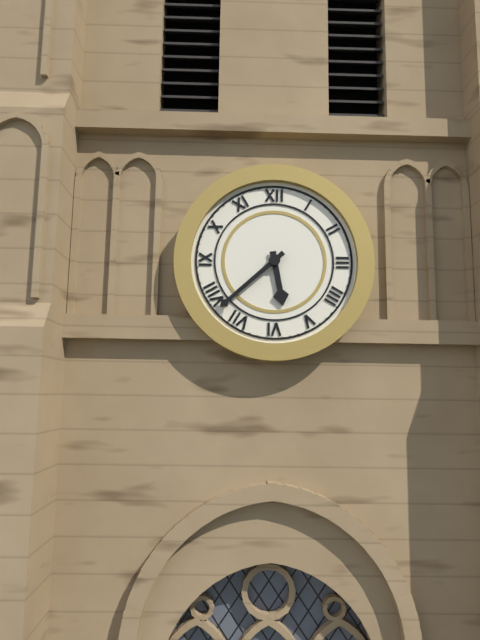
5:38
